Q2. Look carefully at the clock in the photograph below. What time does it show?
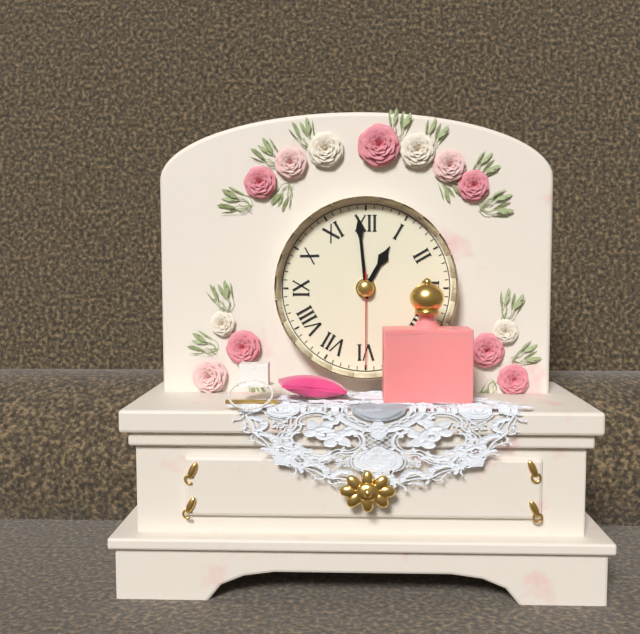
12:59:30
